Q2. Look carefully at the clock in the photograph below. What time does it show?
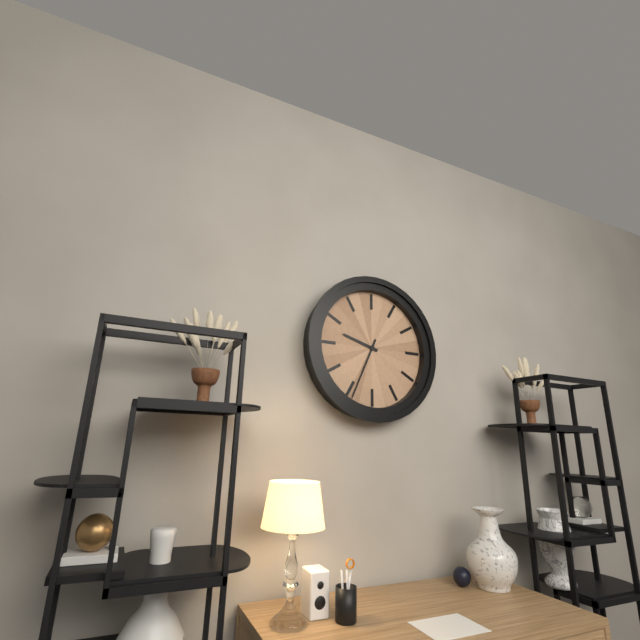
9:34
